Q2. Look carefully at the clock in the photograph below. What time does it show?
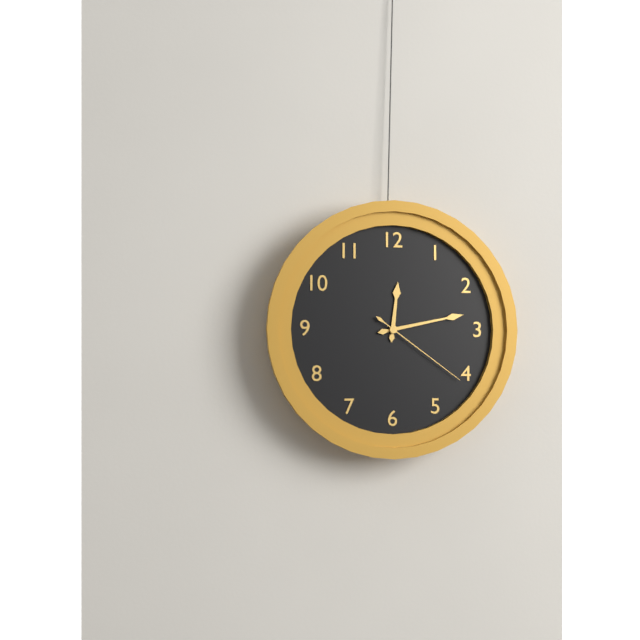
12:13:21
